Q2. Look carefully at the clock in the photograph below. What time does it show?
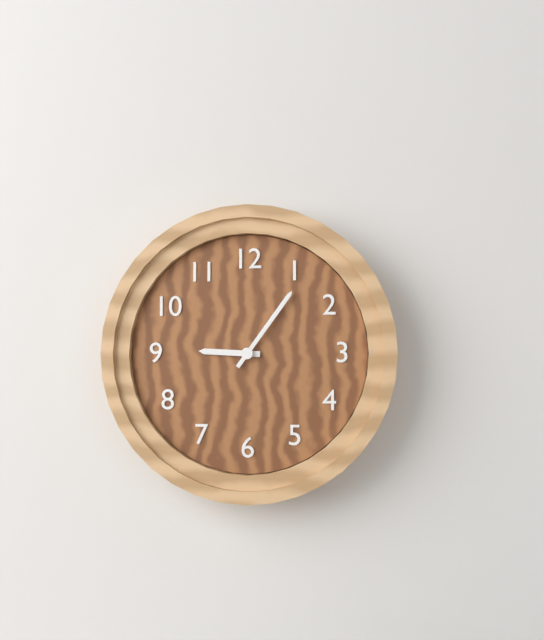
9:06
